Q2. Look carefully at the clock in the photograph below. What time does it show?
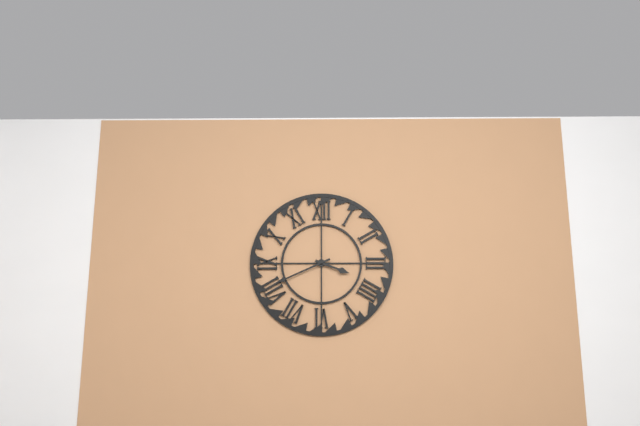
3:41
